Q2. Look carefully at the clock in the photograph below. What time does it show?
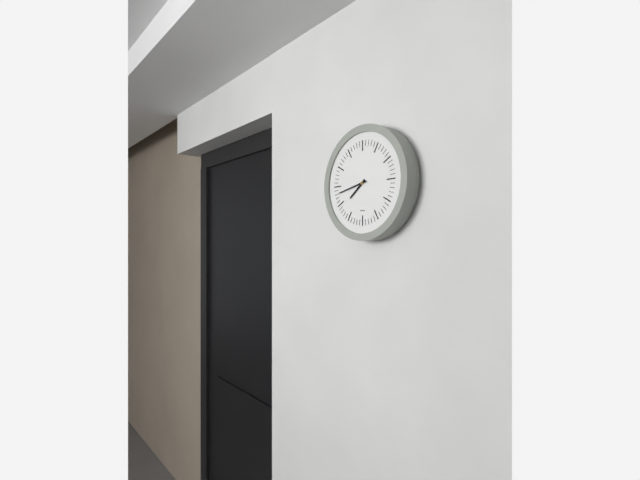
7:43
